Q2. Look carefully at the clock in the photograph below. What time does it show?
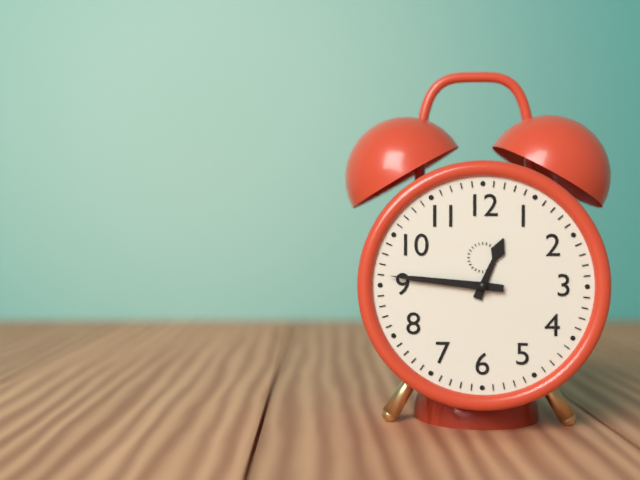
12:46
